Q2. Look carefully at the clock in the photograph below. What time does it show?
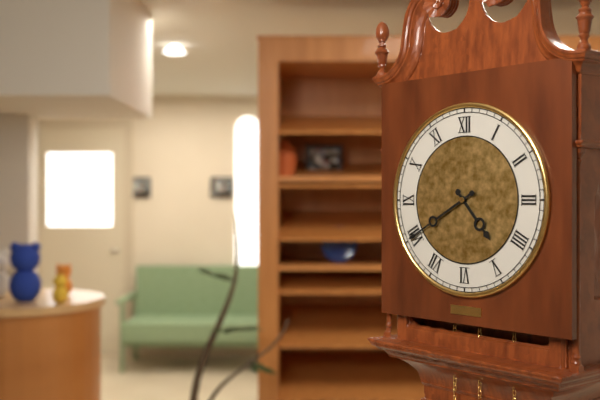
4:40
